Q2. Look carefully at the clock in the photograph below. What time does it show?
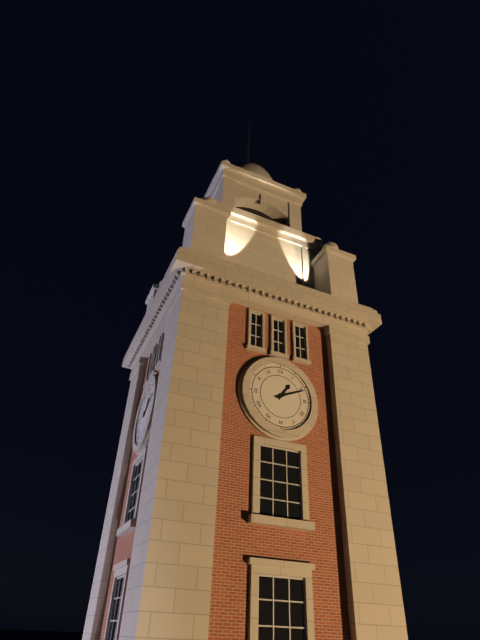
1:11
